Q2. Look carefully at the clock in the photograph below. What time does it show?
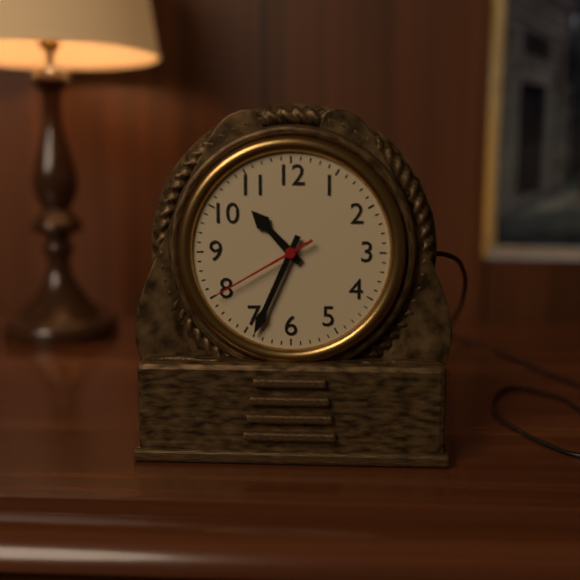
10:34:40
